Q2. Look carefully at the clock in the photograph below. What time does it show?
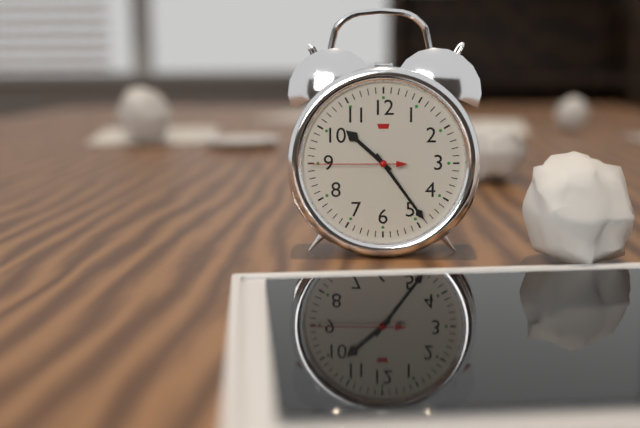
10:24:45
